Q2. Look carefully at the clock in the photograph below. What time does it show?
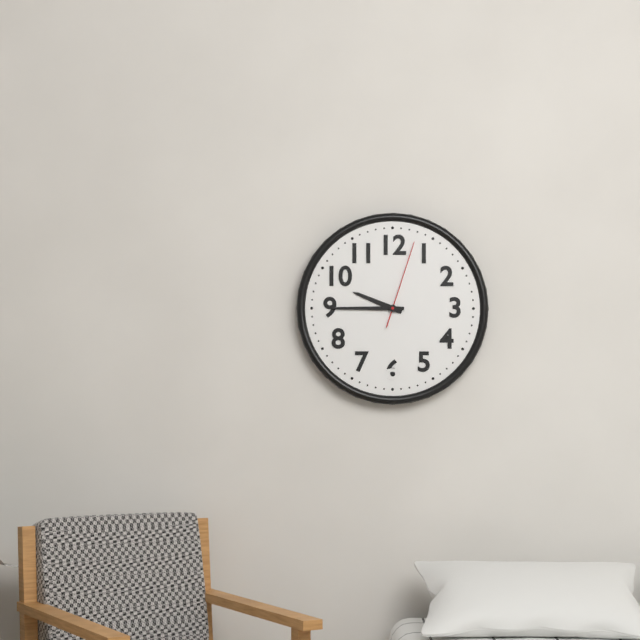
9:45:03
